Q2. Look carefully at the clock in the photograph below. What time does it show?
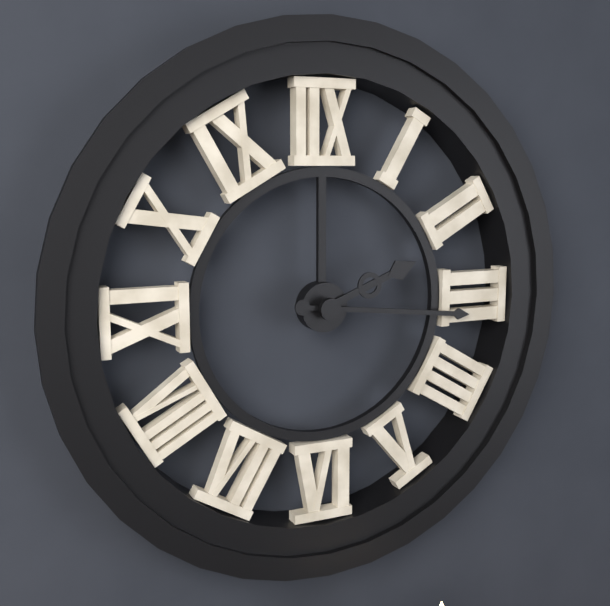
2:16
